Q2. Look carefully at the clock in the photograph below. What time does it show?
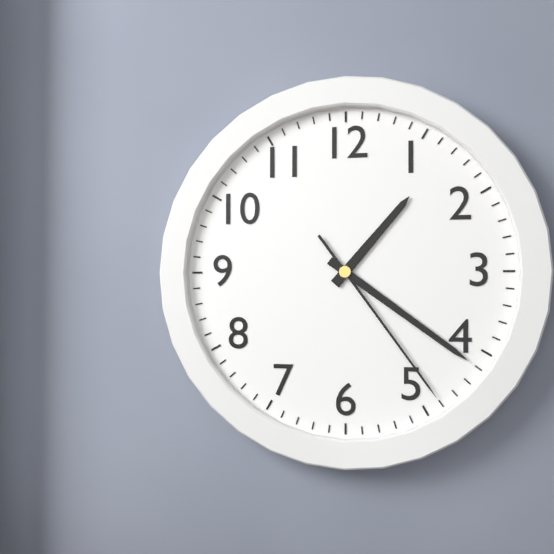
1:21:24
